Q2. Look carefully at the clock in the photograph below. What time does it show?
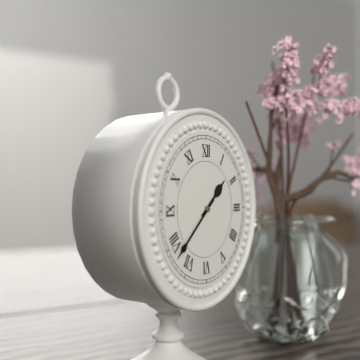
1:38
